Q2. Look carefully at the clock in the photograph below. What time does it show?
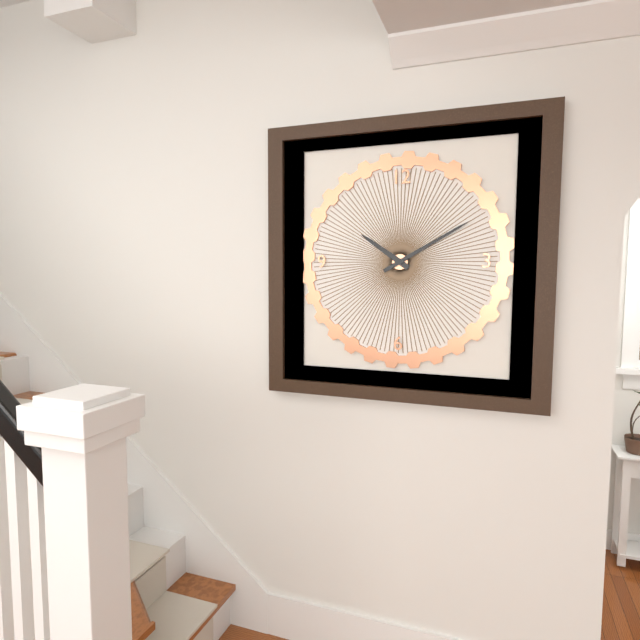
10:10
